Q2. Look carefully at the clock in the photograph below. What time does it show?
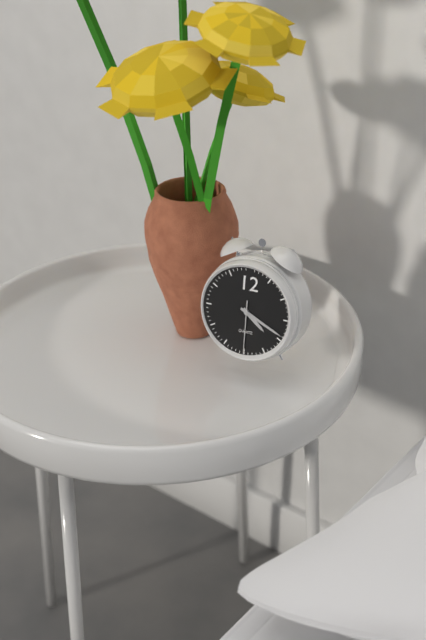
4:19:30
